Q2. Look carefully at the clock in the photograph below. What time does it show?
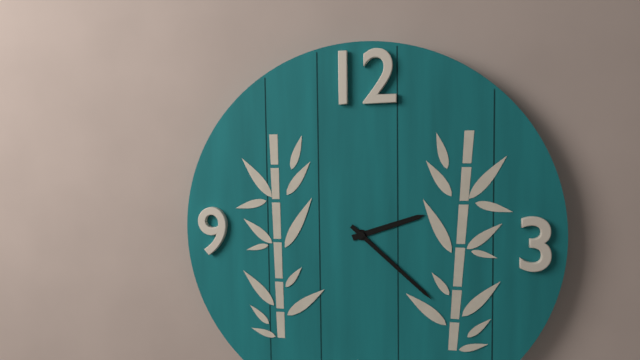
2:22
